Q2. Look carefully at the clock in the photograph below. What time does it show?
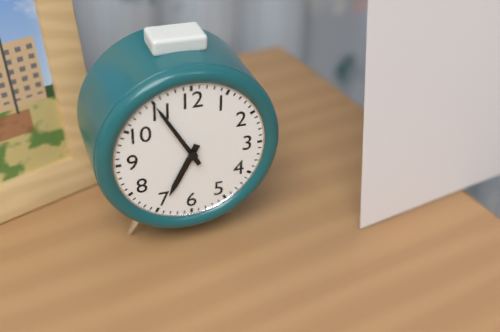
6:55
